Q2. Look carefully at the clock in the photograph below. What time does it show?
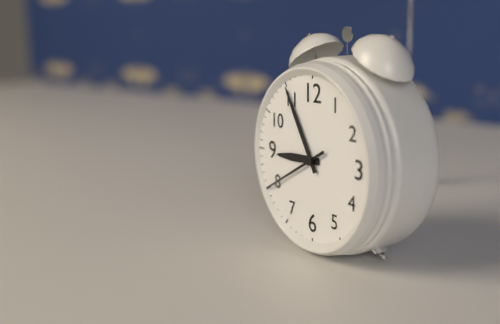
8:55:40
